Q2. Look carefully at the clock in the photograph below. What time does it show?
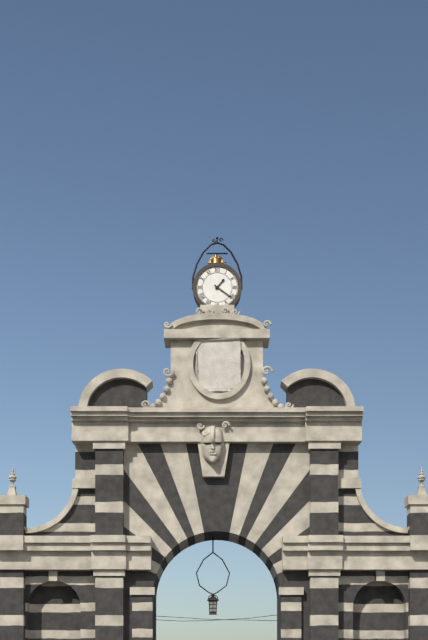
1:21
